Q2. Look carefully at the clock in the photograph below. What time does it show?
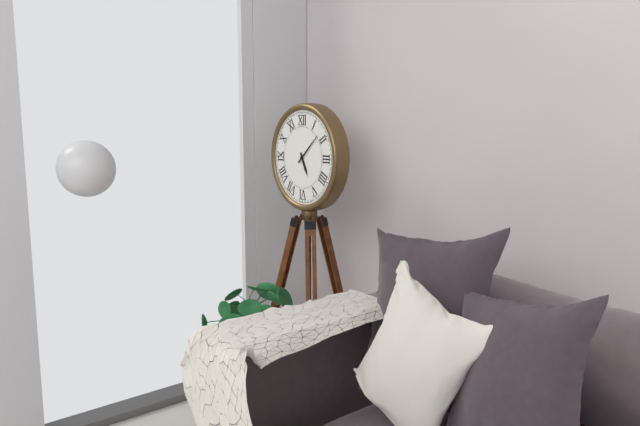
5:08
